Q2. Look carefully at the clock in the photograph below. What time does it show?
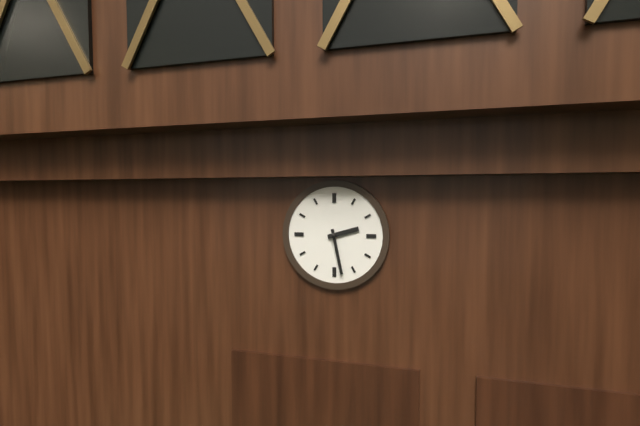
2:28
